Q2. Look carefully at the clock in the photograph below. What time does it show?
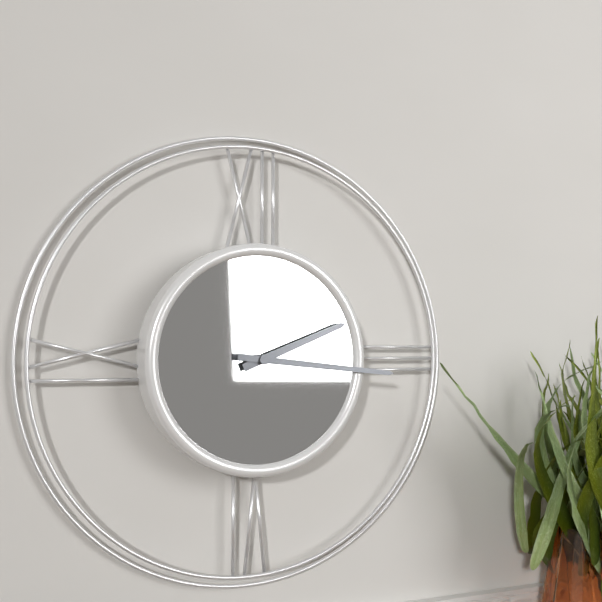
2:16
